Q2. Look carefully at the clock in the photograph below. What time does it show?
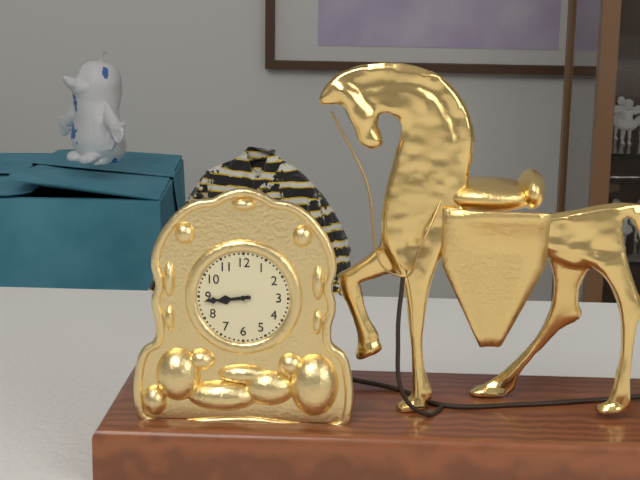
8:44
